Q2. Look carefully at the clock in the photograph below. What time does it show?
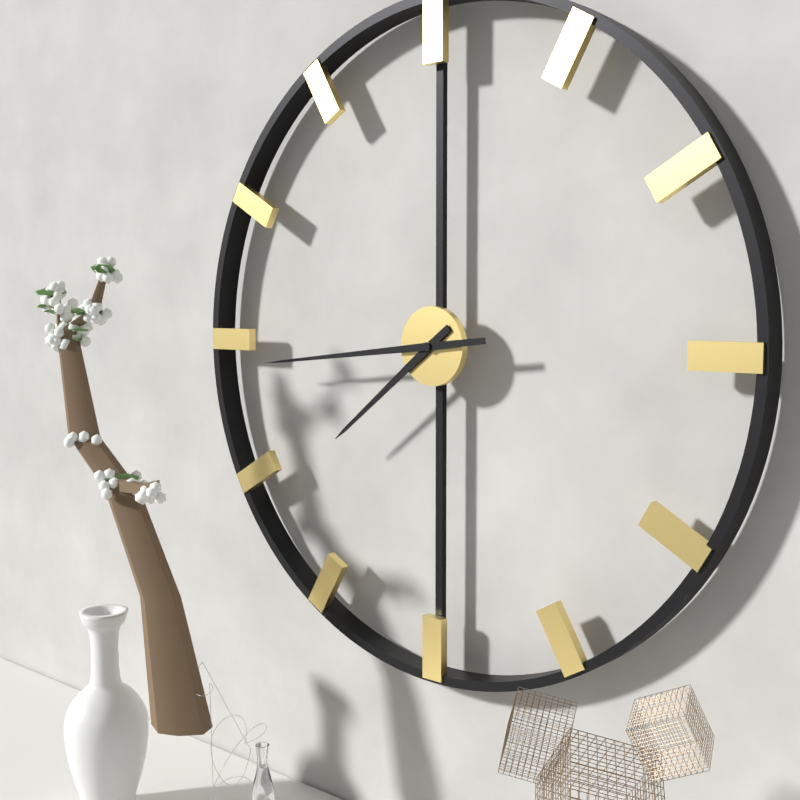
7:44
